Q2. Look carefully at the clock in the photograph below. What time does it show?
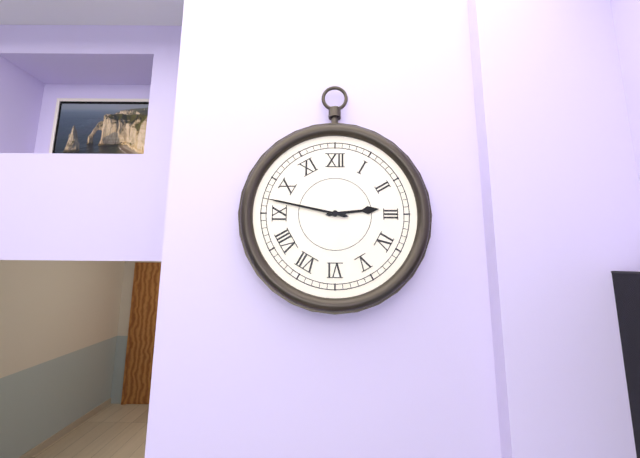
2:47
